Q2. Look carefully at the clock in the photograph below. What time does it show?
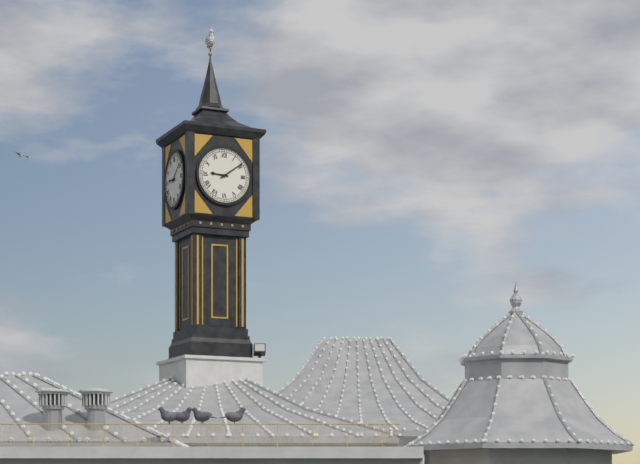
9:09
